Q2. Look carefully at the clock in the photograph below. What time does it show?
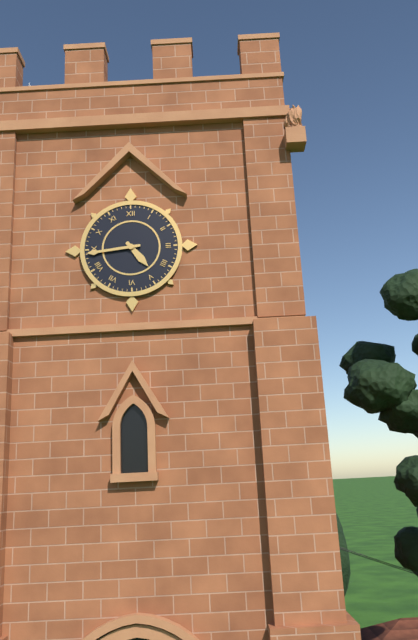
4:44
